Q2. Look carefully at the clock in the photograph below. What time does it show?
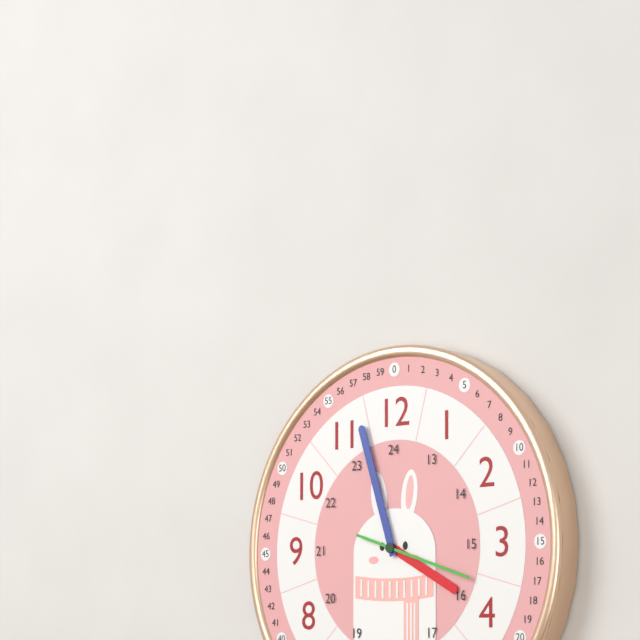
3:57:18
